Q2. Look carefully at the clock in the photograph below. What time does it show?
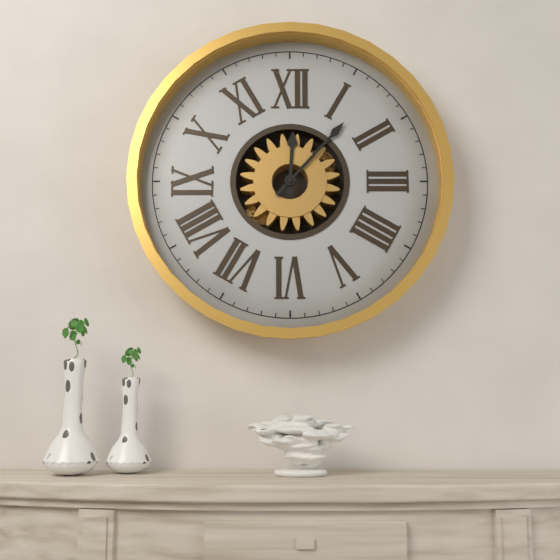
12:07
